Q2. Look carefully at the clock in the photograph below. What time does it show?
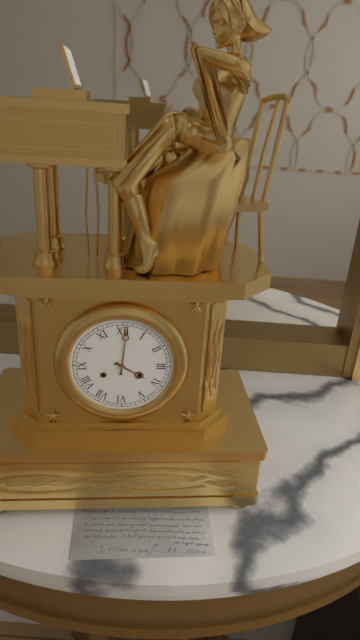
4:01
